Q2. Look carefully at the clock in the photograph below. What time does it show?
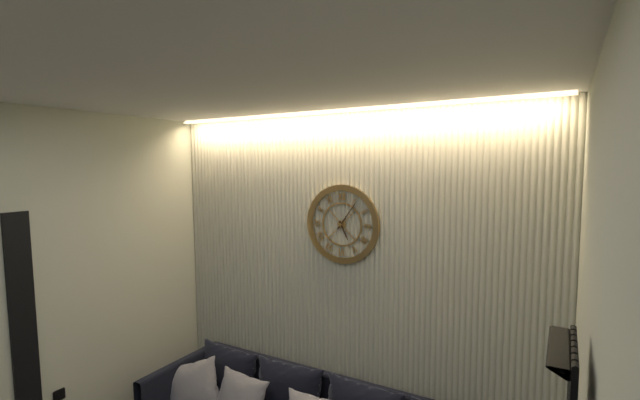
5:06
